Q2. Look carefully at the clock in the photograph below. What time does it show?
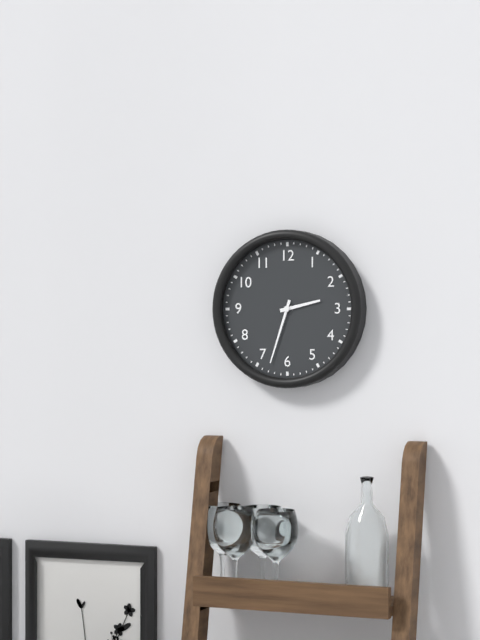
2:33
